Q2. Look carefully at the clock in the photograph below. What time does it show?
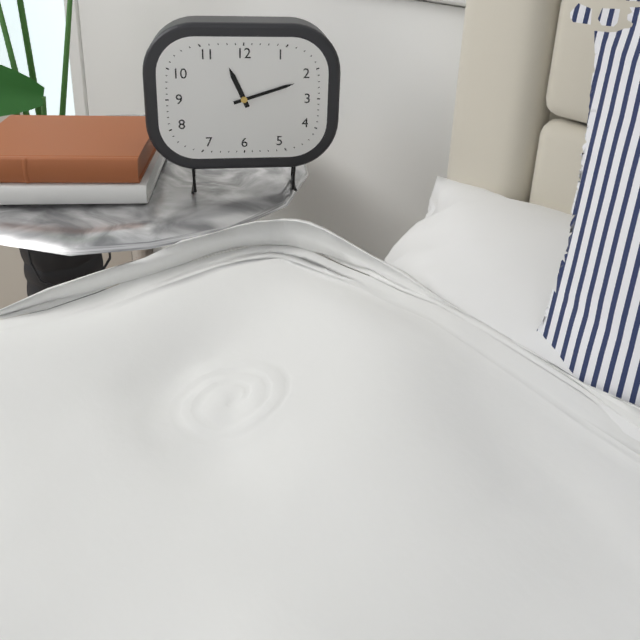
11:12
